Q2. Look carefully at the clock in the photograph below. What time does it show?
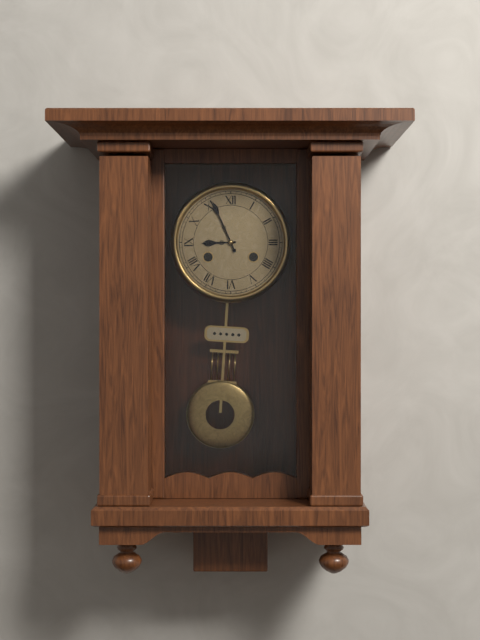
8:56
